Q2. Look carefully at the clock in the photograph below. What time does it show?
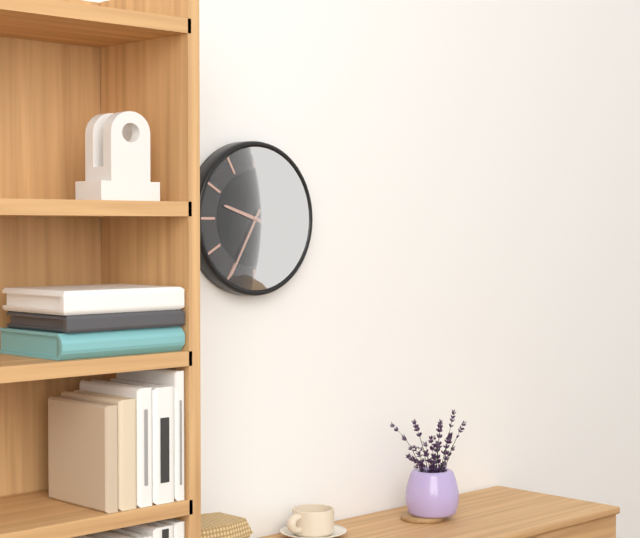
9:35
